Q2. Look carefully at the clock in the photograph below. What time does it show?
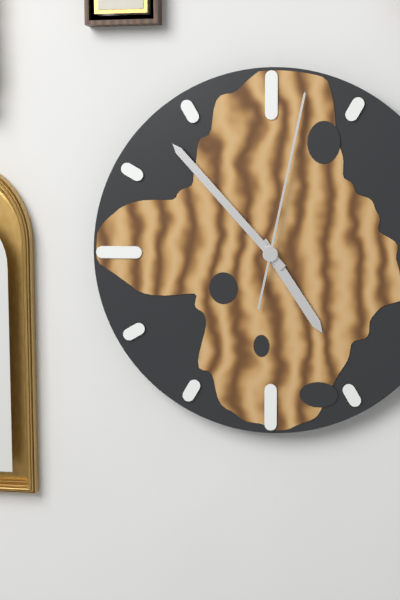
4:53:02
